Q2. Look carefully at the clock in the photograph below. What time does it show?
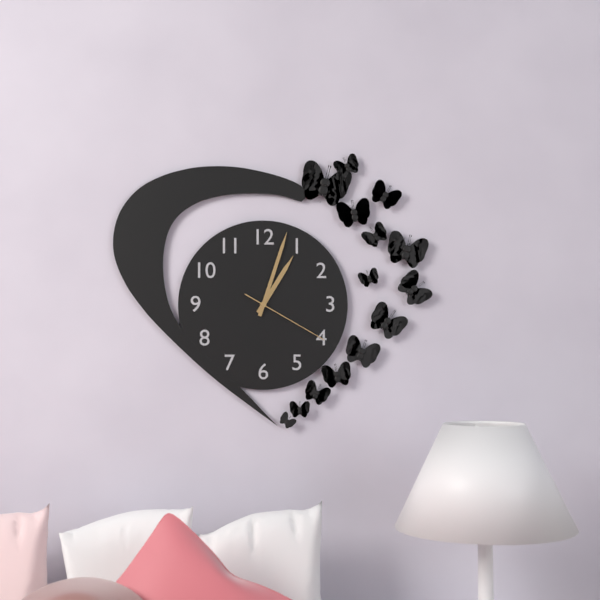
1:03:20
